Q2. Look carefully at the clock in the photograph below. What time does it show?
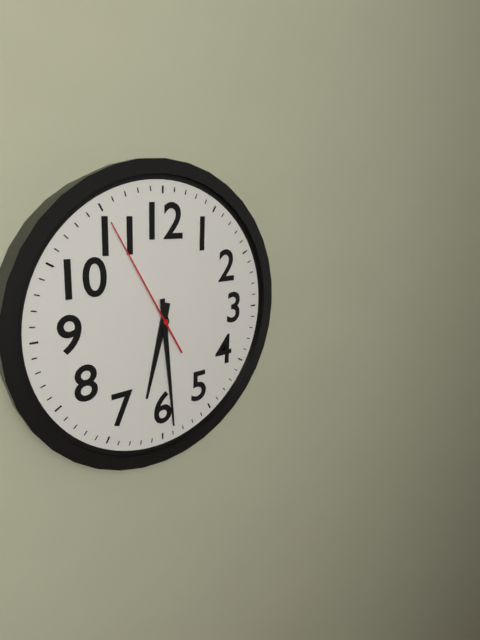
6:29:55
